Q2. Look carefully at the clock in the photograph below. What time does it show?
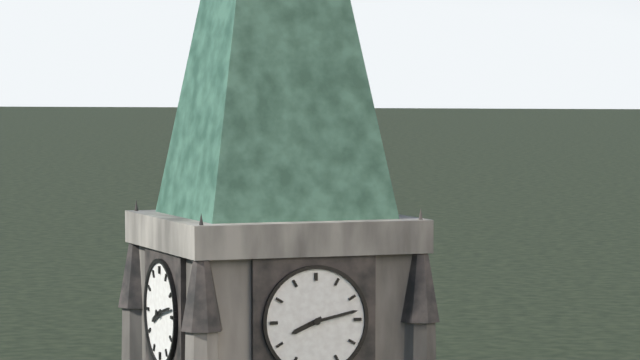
8:13
